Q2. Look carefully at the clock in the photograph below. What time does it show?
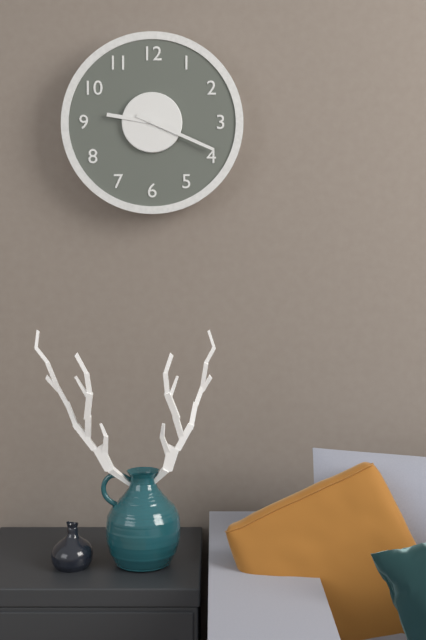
9:19
